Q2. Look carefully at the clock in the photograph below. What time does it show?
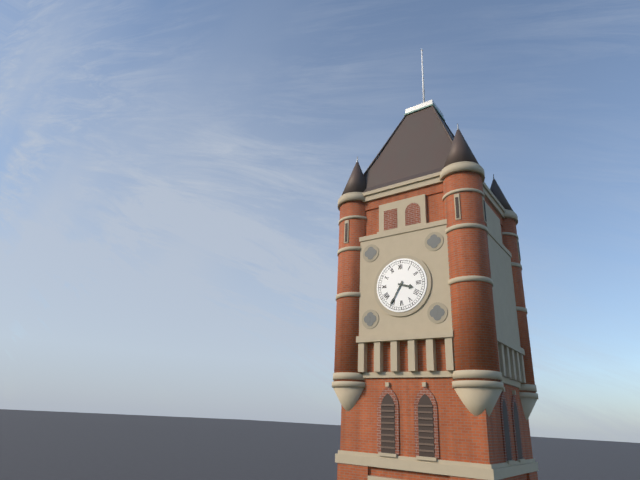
3:35
